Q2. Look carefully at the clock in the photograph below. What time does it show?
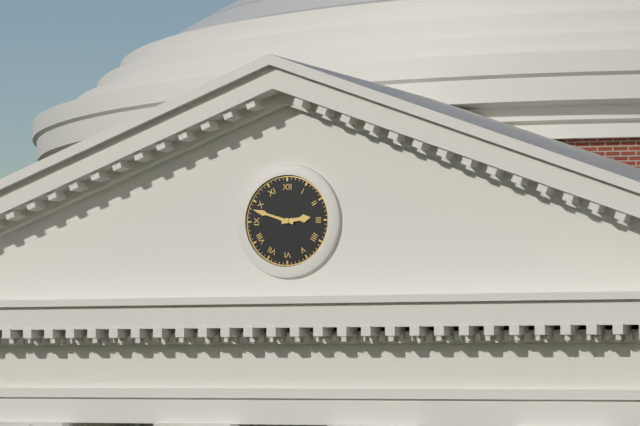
2:48
